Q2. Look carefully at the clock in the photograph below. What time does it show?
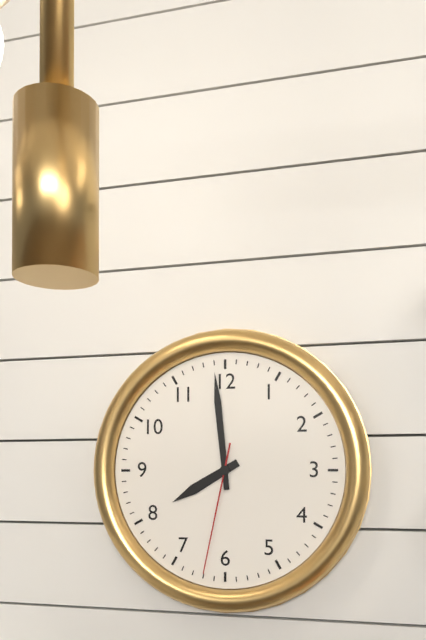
7:59:32
